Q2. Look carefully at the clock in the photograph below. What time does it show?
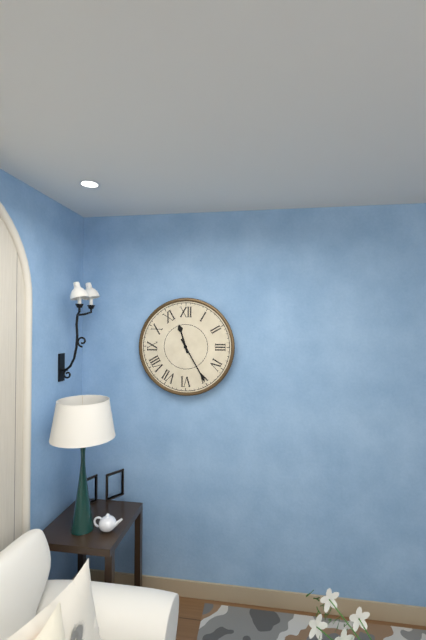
11:25
